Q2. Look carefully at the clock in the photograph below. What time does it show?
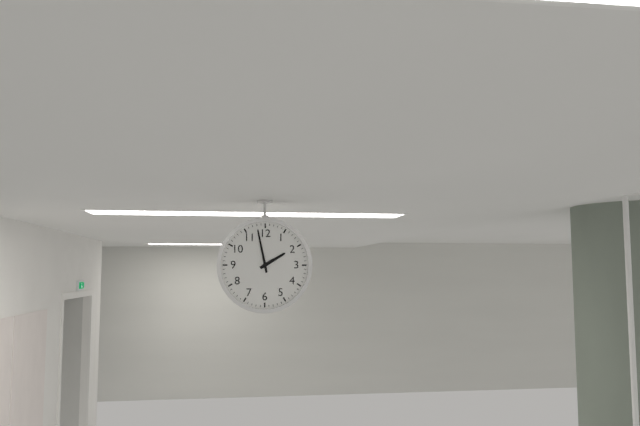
1:58
